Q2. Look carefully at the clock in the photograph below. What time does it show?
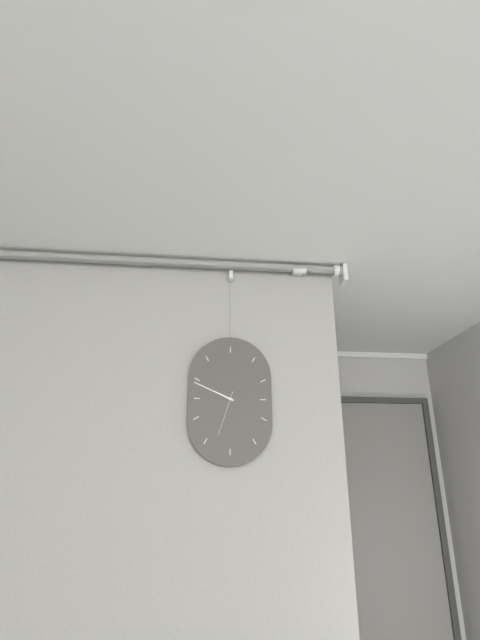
9:49
